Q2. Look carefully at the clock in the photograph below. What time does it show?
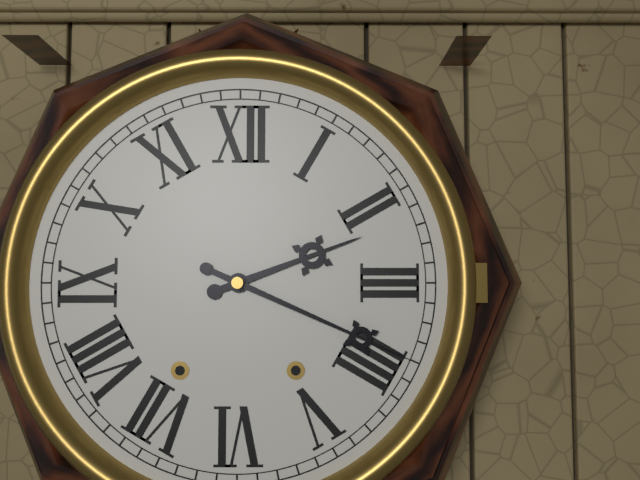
2:19
